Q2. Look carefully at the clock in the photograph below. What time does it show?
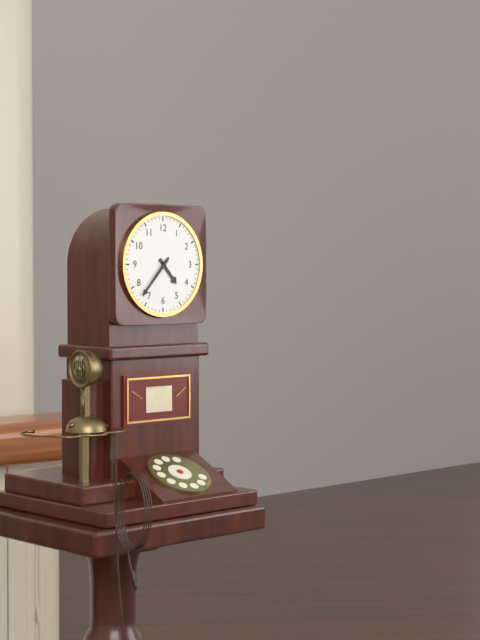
4:37
